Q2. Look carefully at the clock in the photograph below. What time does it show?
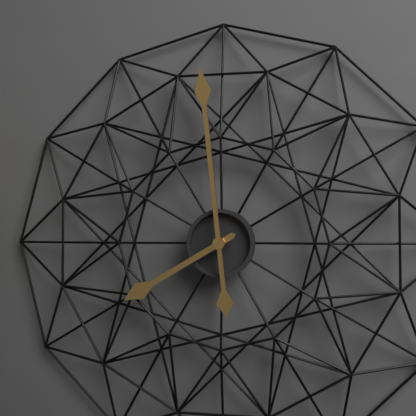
7:59
